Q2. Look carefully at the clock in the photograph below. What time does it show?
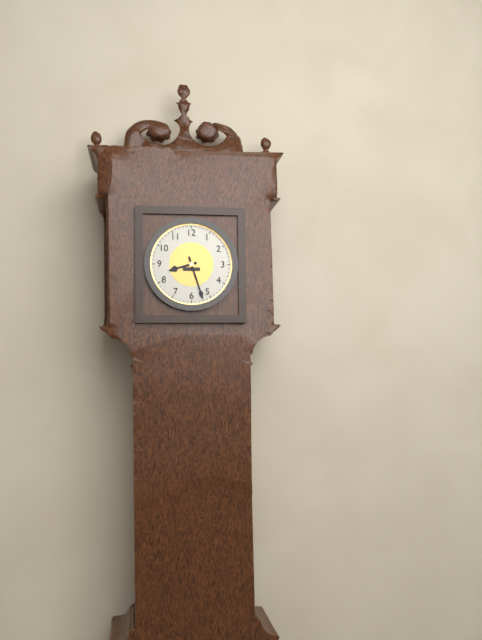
8:27
